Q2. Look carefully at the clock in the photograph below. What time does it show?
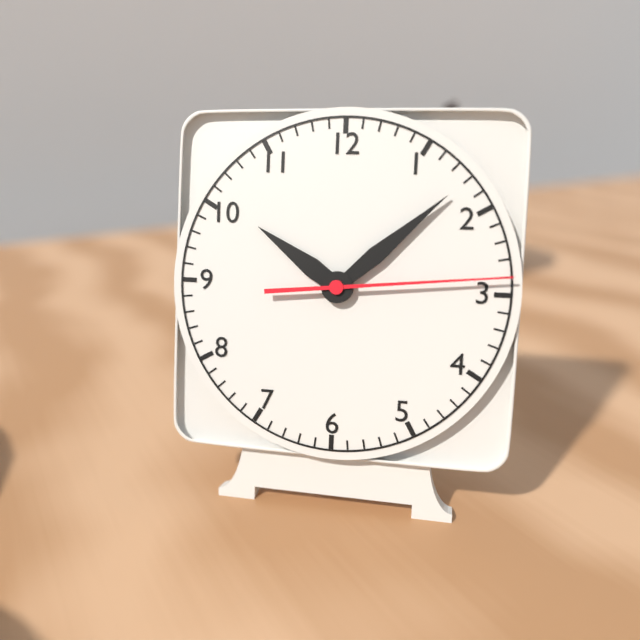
10:08:14
